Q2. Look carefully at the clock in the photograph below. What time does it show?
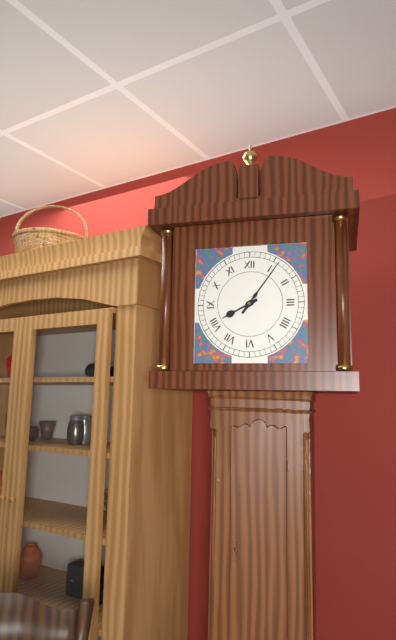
8:06
